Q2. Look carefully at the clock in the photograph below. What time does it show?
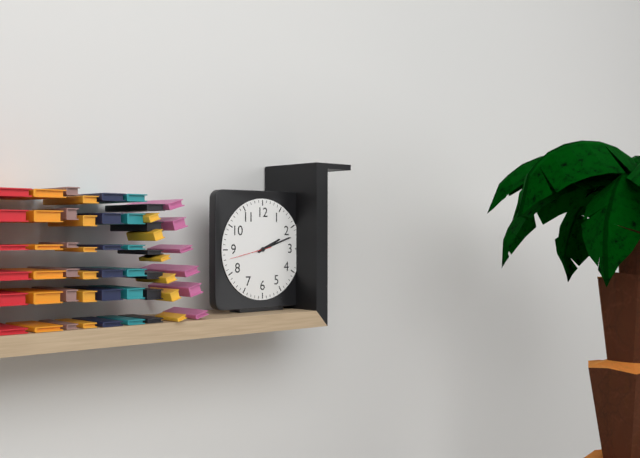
2:12
